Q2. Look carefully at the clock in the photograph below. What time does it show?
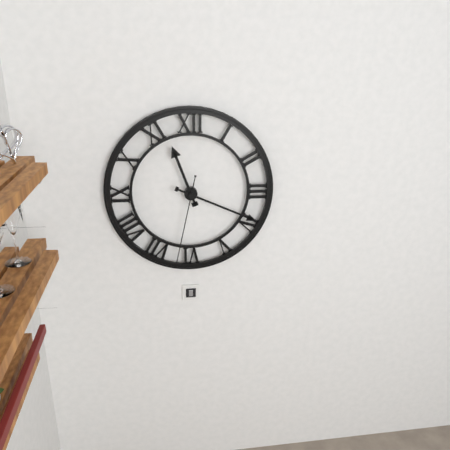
11:19:32
